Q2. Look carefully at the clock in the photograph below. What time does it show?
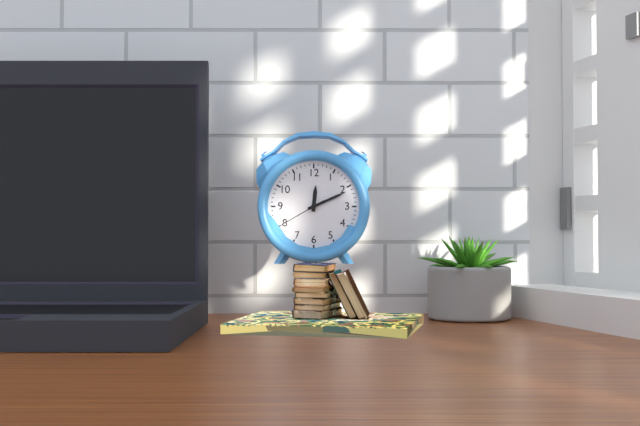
12:11
